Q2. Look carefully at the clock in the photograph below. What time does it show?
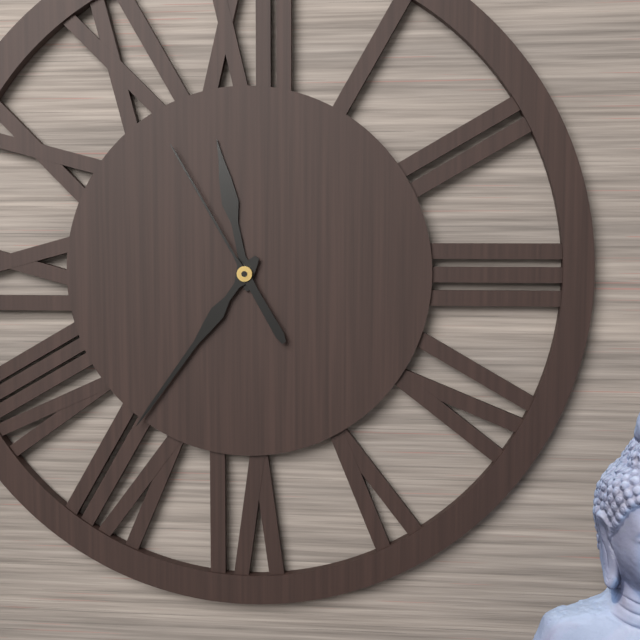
11:36:55
